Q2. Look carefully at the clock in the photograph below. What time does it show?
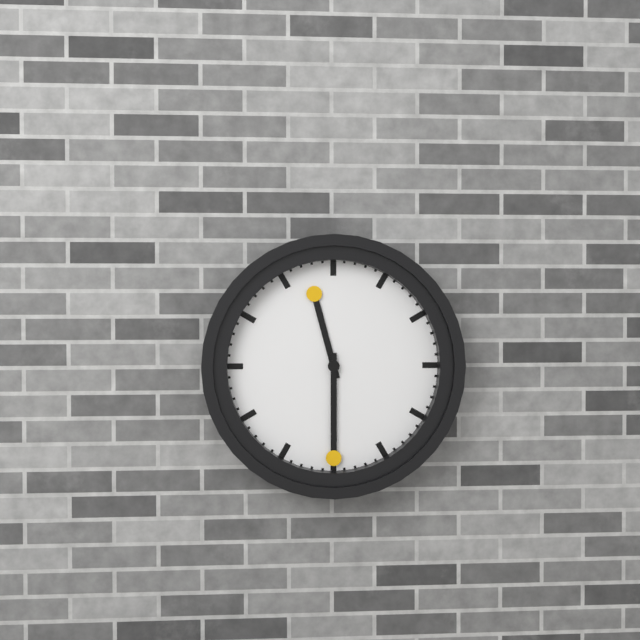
11:30
